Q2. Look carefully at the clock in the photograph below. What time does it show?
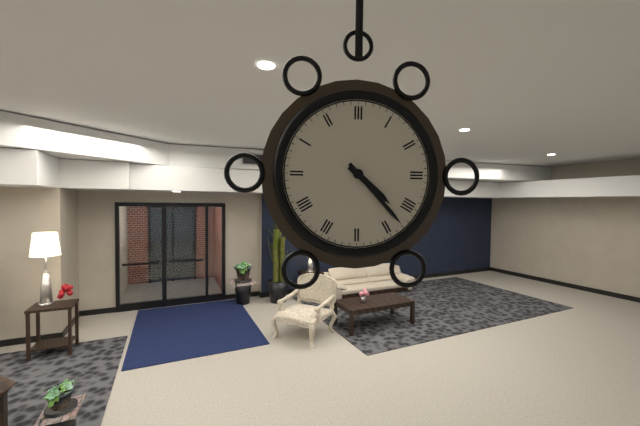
4:23
